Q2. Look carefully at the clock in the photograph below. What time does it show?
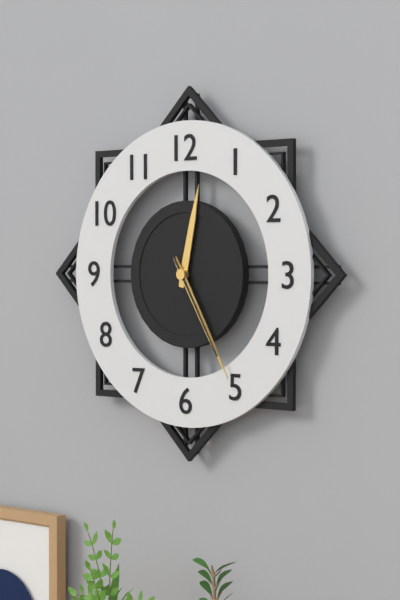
12:25:25
